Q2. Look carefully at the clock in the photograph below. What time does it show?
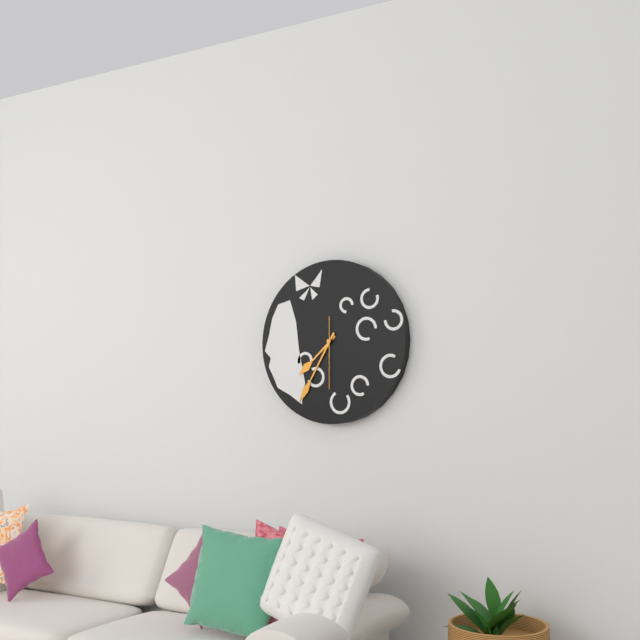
7:35:30
